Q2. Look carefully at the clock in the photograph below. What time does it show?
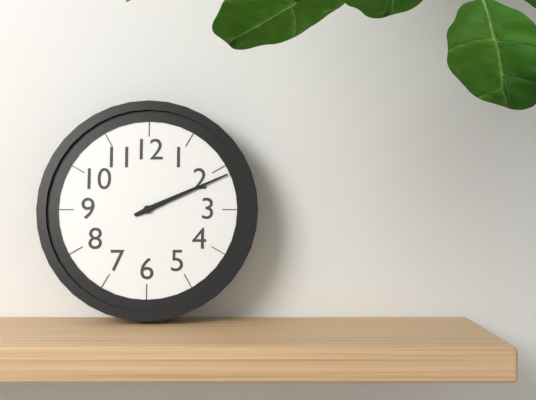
2:11
